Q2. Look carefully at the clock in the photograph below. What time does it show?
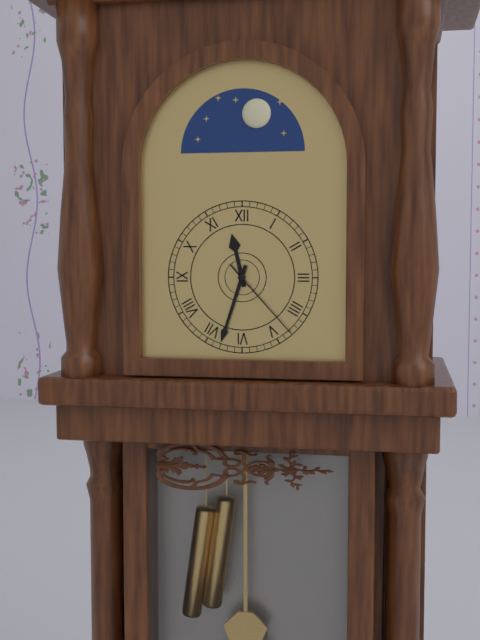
11:33:23
